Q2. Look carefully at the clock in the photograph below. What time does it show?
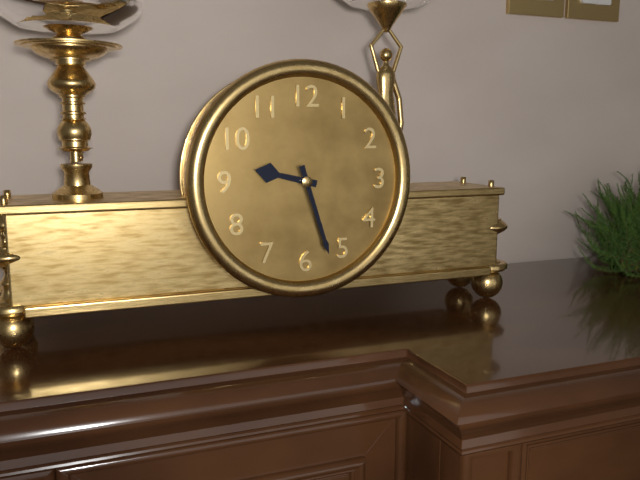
9:27
